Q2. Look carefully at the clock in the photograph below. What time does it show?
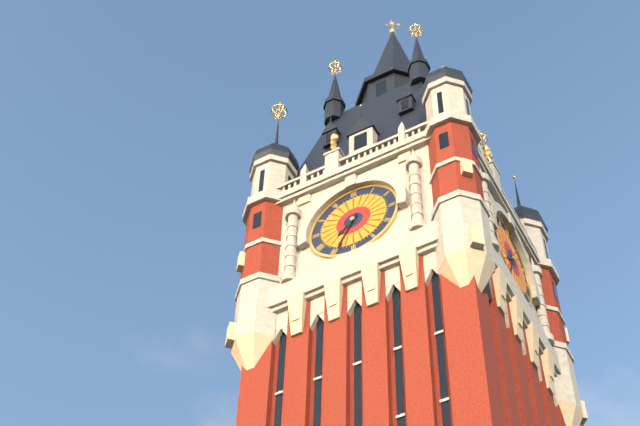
7:34
